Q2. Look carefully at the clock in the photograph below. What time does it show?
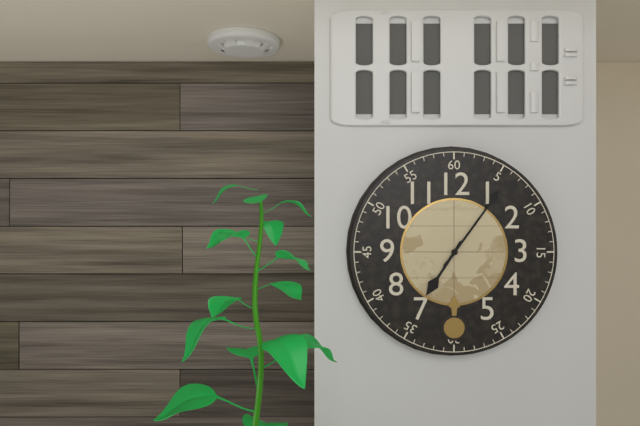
7:06
